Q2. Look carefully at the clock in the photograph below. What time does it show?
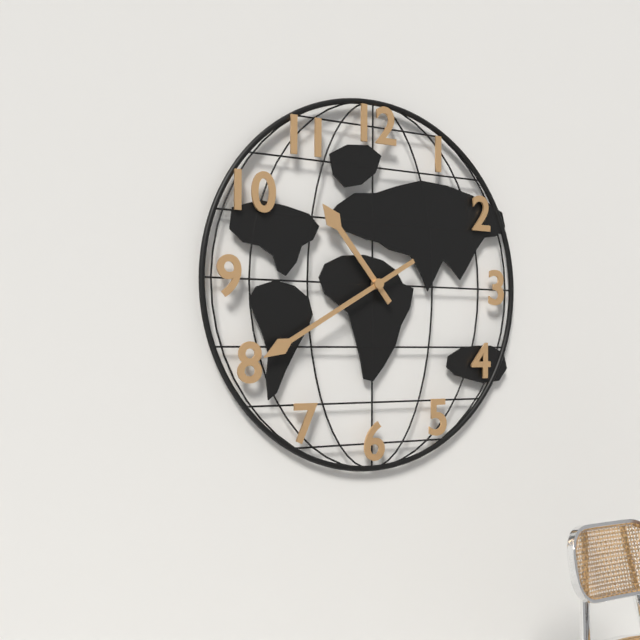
10:40
